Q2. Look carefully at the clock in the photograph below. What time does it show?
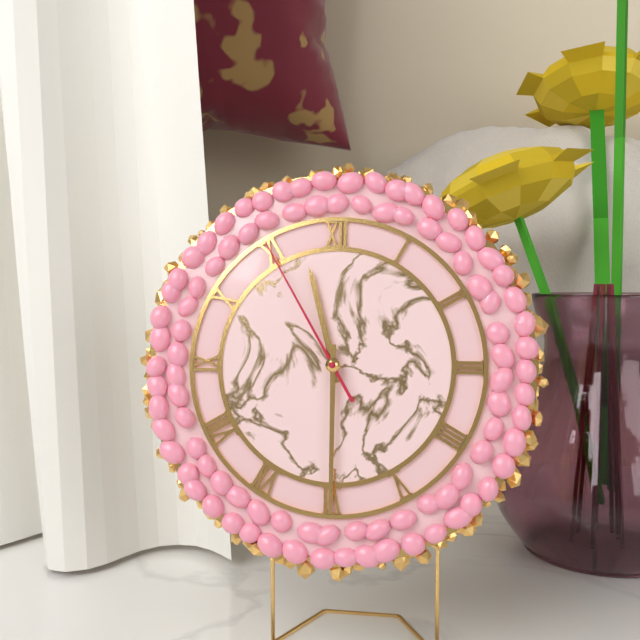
11:30:55
